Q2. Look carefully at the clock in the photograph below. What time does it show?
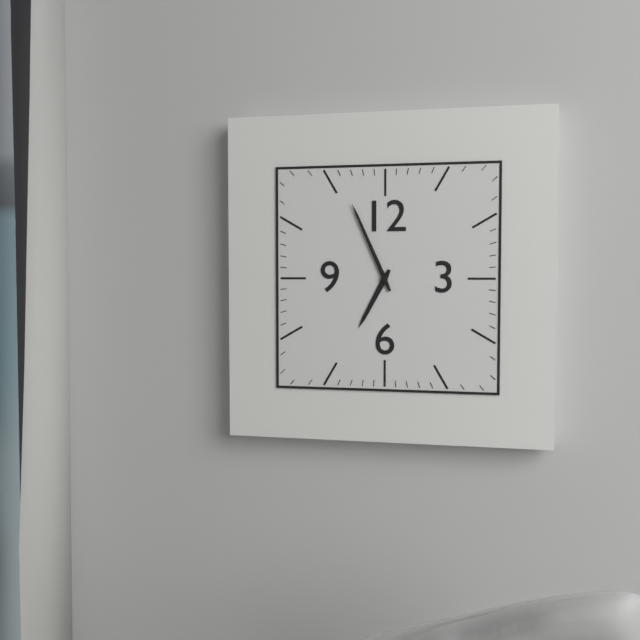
6:56
